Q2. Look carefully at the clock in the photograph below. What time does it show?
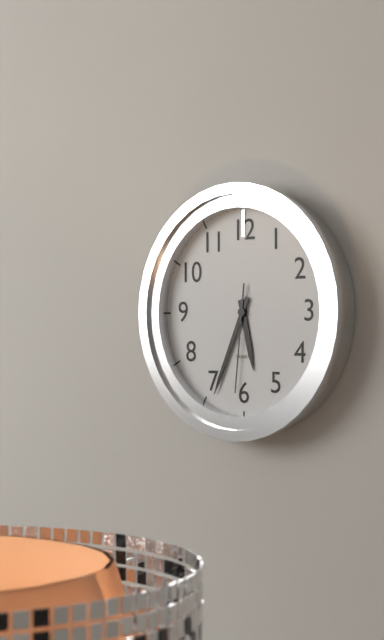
5:34:31
